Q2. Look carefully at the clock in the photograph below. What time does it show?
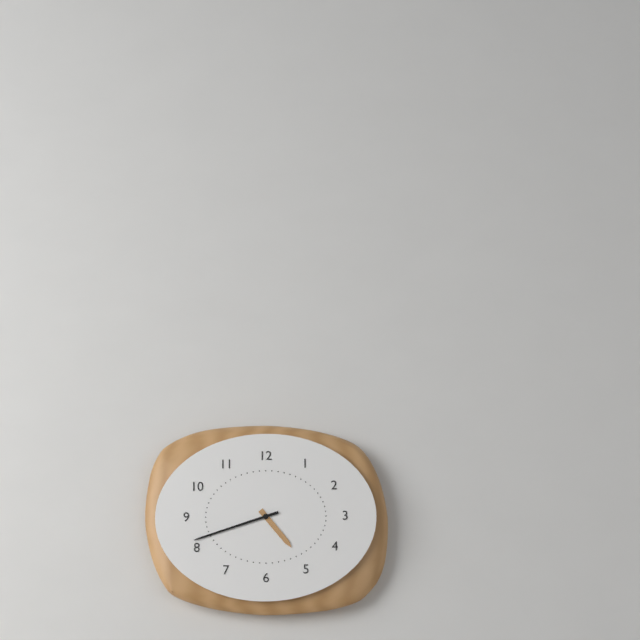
4:42
